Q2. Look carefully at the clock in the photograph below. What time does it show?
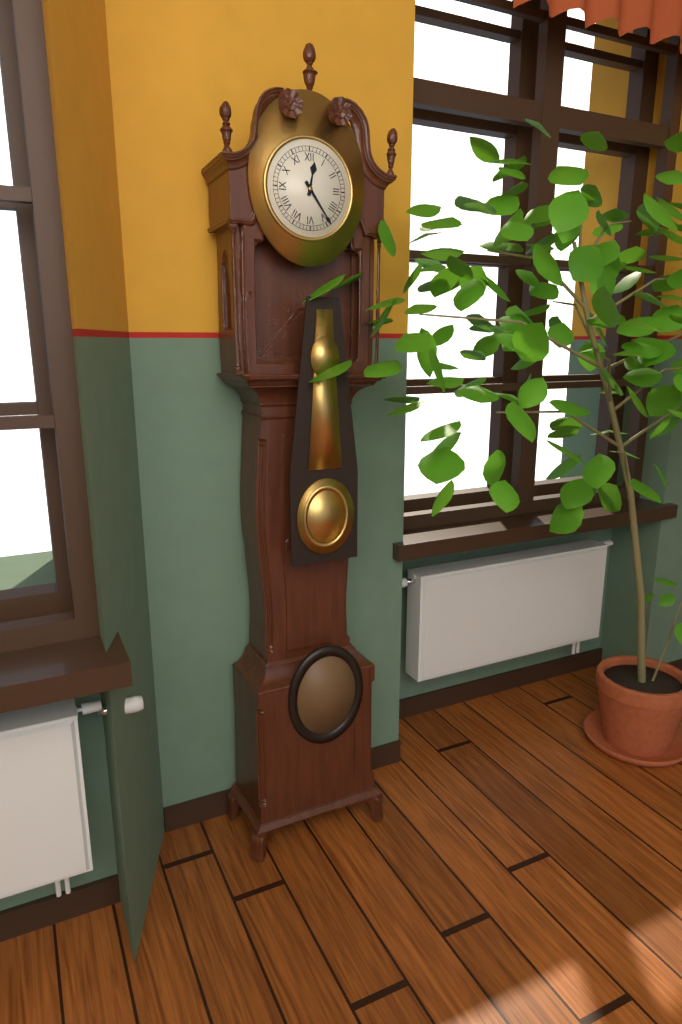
12:24
